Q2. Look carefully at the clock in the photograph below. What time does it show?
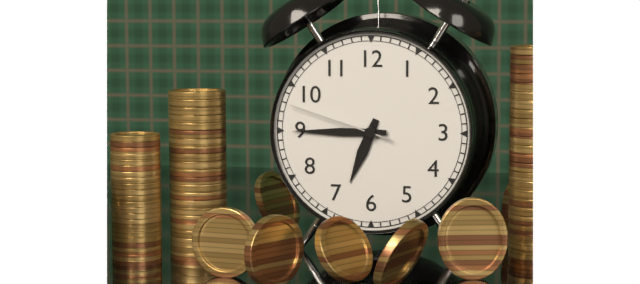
6:45:48
